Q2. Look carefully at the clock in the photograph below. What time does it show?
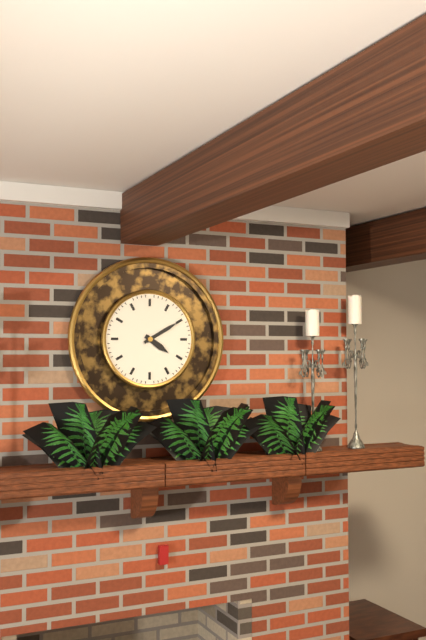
4:10
